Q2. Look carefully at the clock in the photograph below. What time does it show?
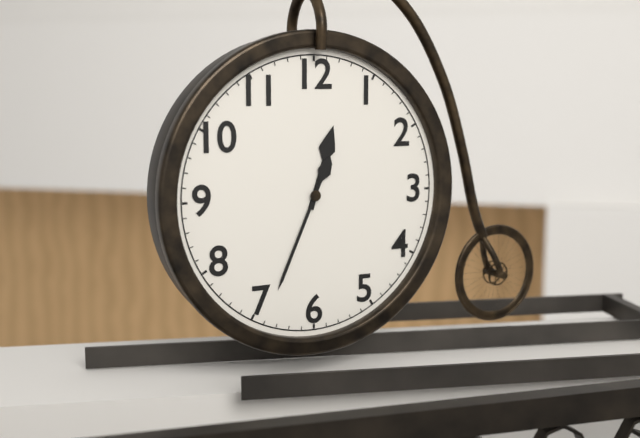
12:34
